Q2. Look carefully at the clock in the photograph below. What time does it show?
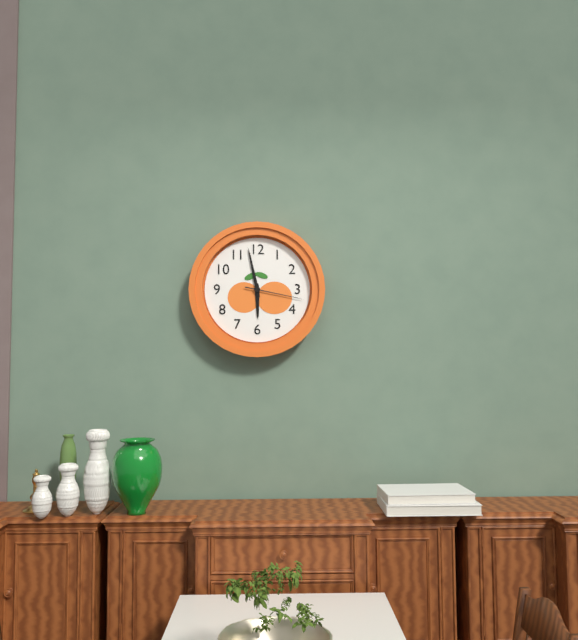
5:58:17
